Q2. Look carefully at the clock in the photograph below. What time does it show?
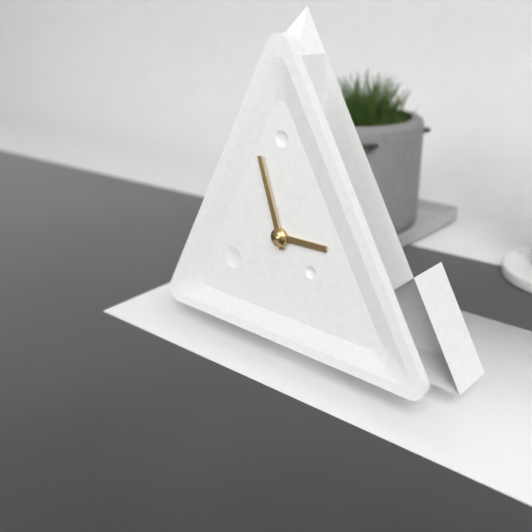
2:57
